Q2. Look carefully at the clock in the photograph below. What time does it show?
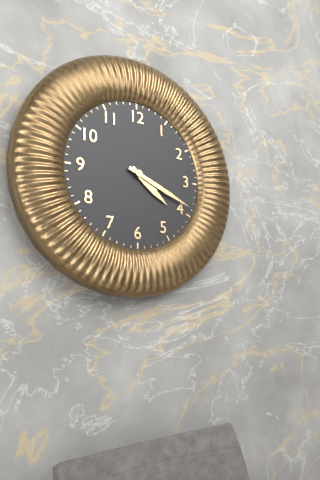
4:19
